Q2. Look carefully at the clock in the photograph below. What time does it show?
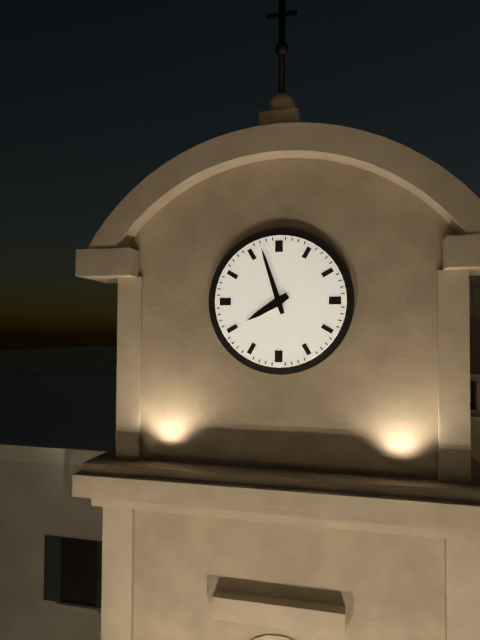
7:57
